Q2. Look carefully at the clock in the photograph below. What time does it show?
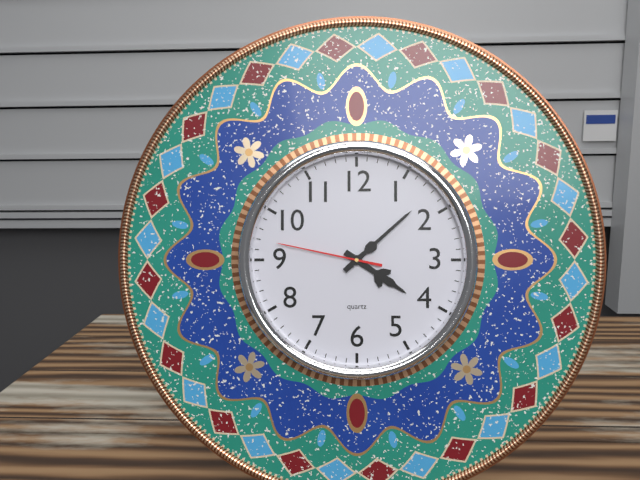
4:08:47
